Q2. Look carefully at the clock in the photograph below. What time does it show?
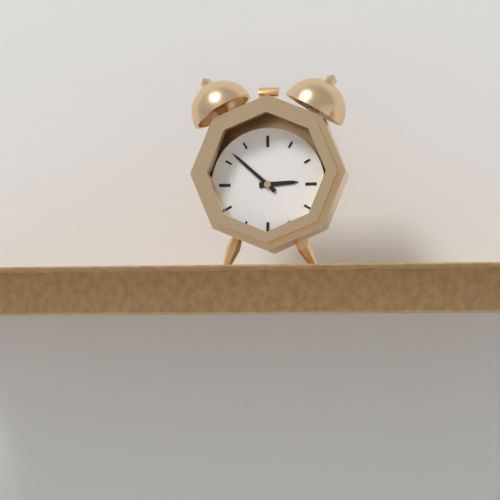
2:52
